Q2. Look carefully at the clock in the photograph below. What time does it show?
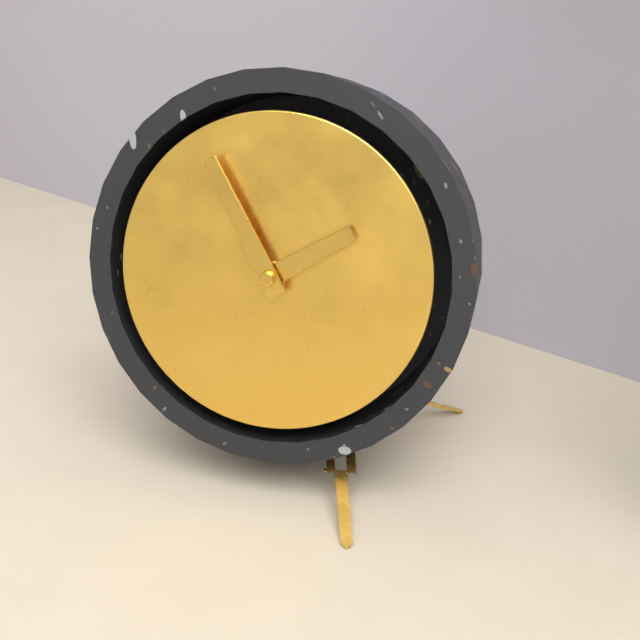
1:55
